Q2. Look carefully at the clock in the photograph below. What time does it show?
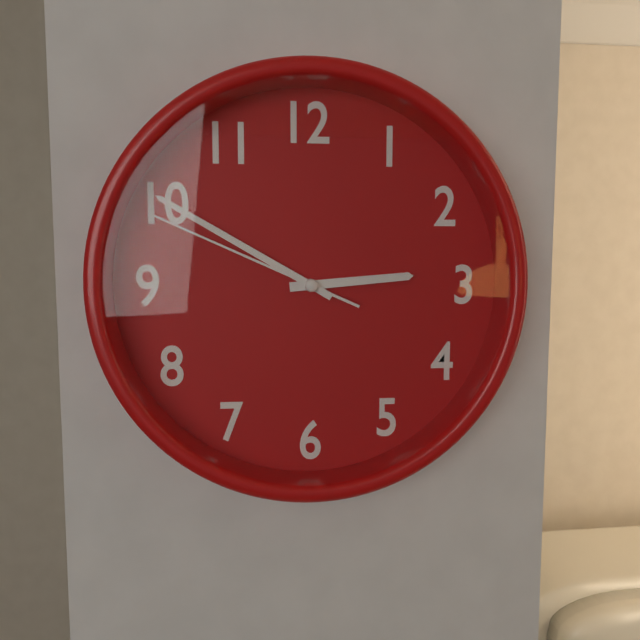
2:50:49
